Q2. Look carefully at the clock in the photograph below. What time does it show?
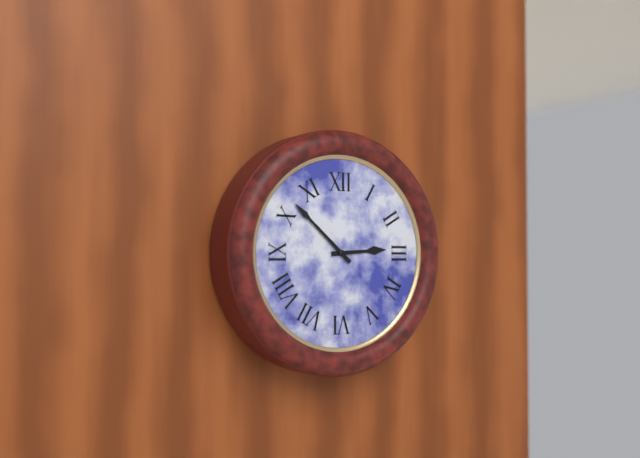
2:52
